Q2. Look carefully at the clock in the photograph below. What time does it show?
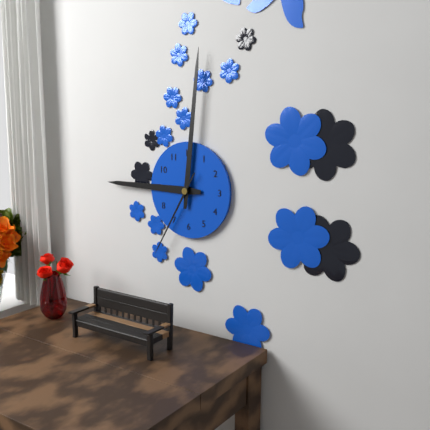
9:01:35
